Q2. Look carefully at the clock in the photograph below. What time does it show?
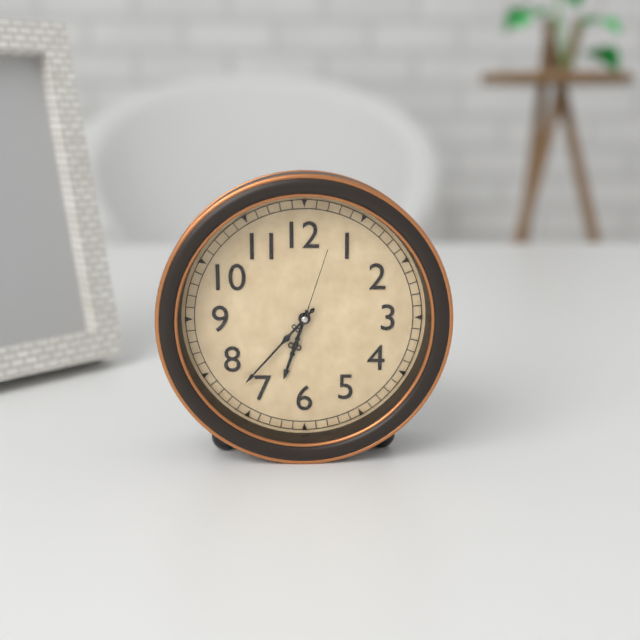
6:37:03
